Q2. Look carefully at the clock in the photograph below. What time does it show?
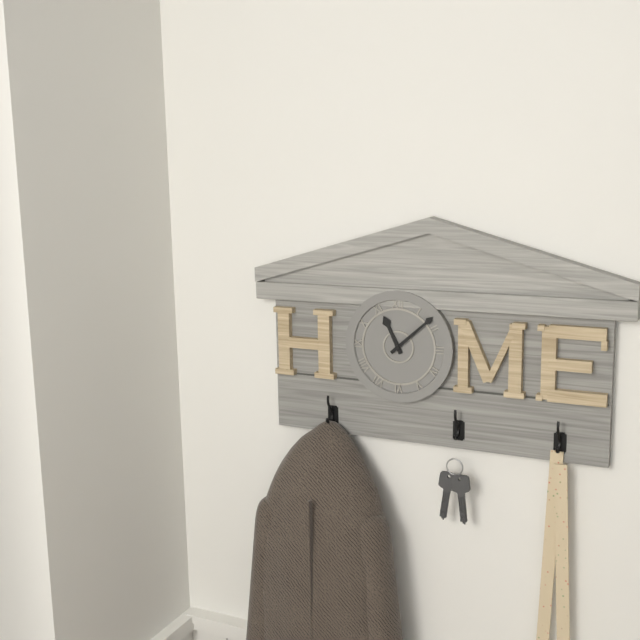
11:08
